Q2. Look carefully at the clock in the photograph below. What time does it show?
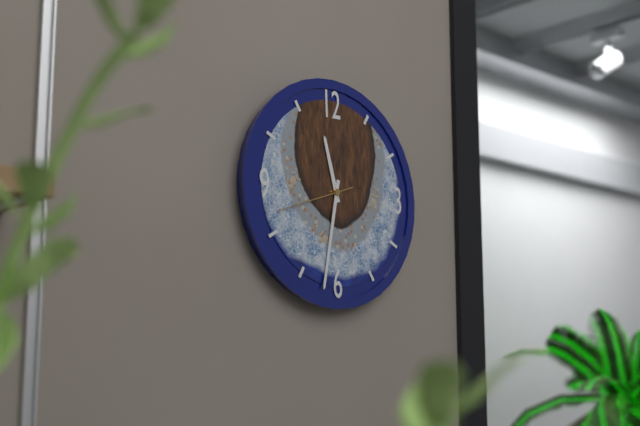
11:32:42
